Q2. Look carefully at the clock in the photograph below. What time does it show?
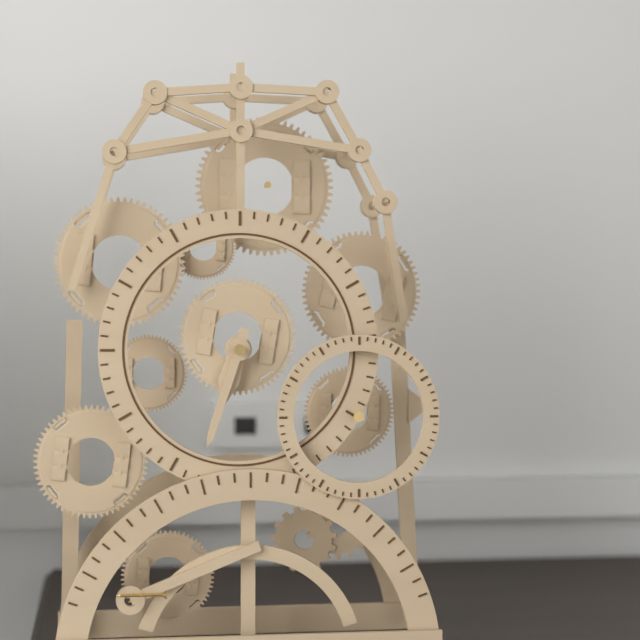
6:33
